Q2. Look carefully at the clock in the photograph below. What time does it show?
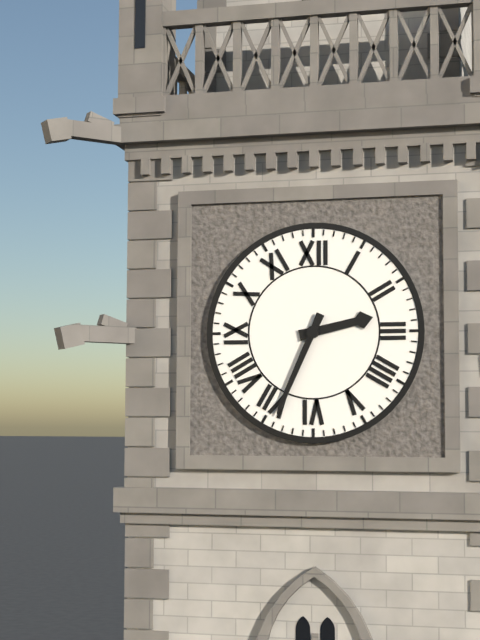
2:34
